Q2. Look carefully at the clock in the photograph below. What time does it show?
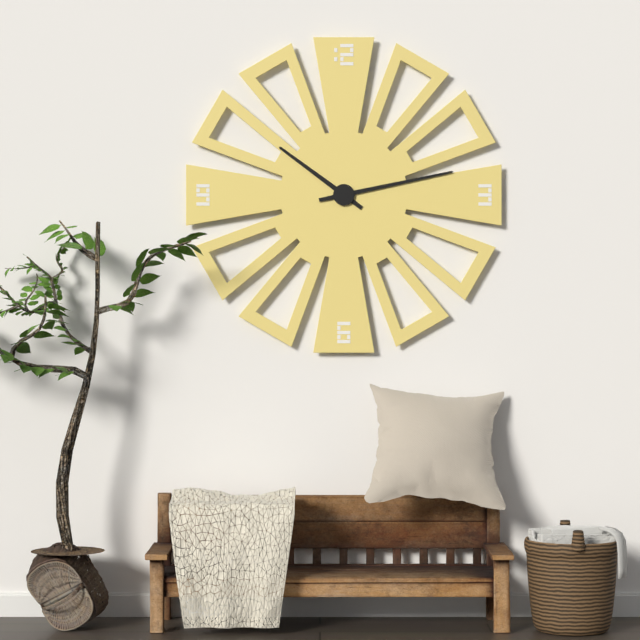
10:13
